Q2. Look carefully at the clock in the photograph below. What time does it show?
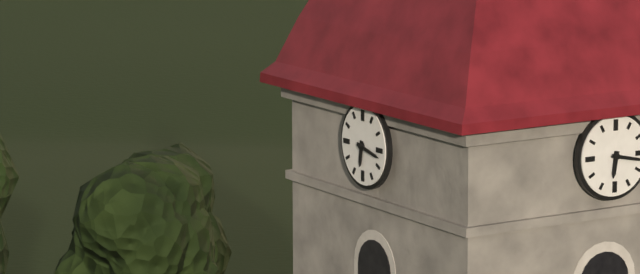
6:17
